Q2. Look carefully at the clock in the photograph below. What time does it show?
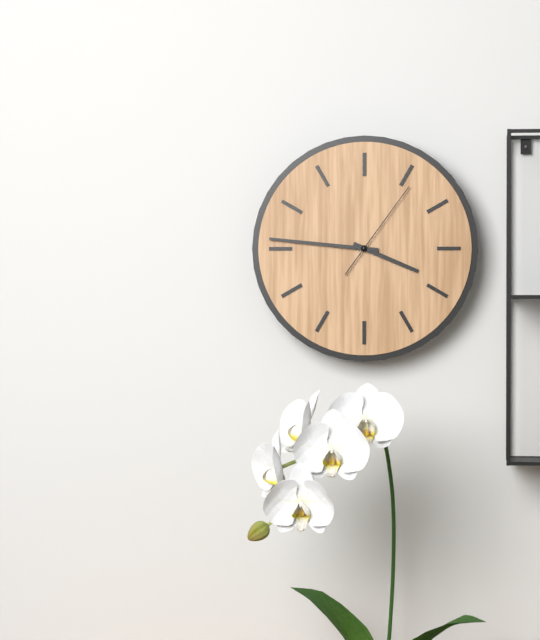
3:46:06
